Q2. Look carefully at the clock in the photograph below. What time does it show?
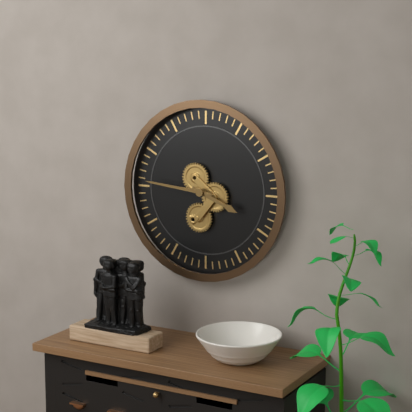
3:46
